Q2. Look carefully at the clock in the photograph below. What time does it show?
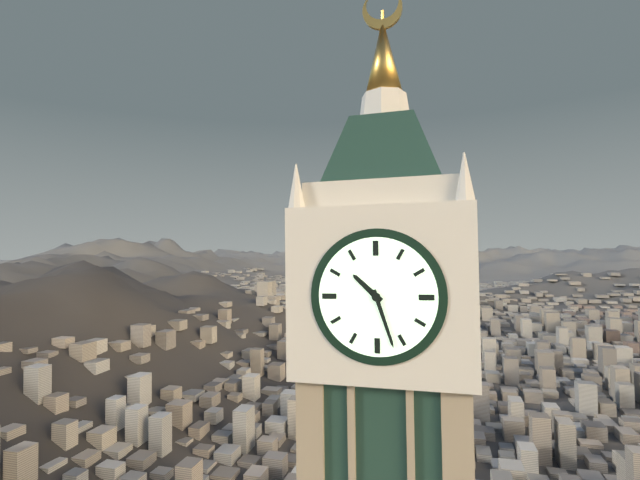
10:27
